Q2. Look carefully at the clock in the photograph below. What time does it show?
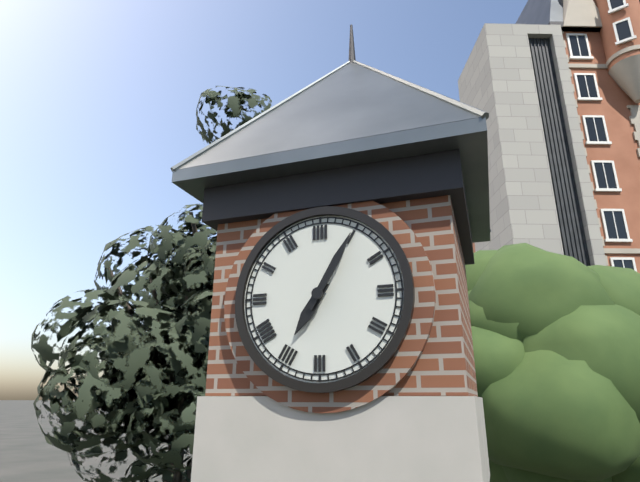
7:05
